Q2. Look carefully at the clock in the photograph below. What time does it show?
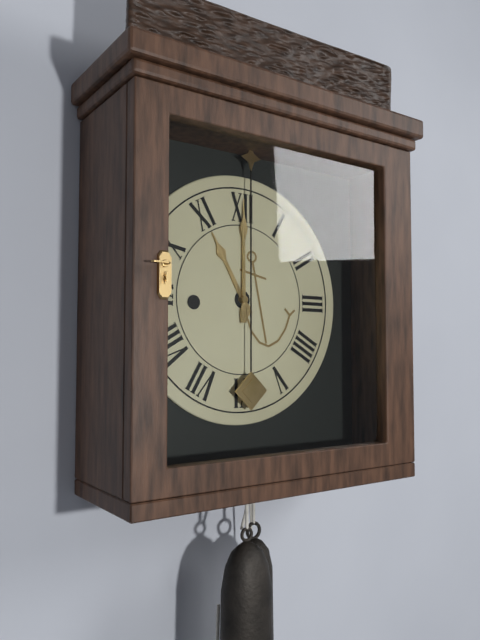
11:00
